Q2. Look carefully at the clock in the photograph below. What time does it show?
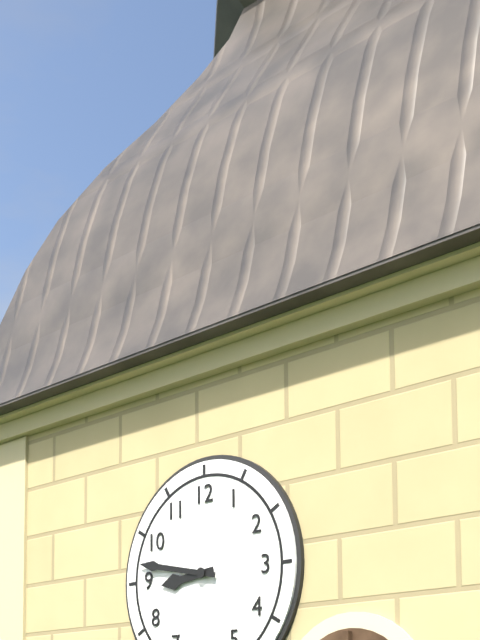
8:47
